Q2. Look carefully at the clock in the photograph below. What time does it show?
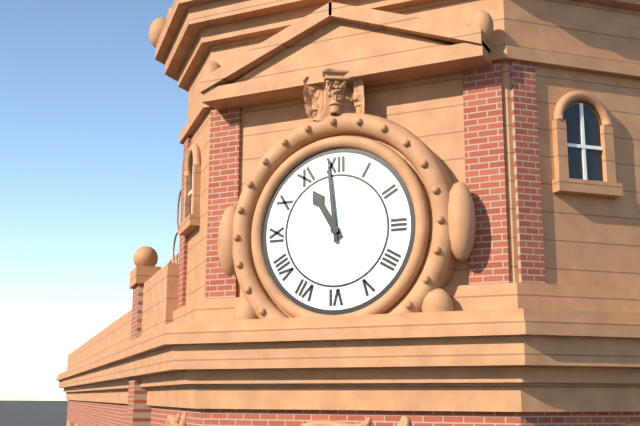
10:59
